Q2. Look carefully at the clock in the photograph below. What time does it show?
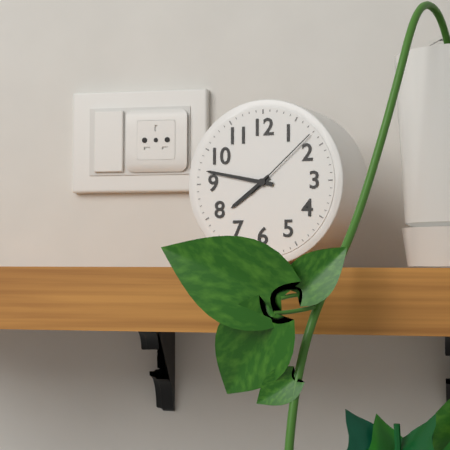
7:47:08
